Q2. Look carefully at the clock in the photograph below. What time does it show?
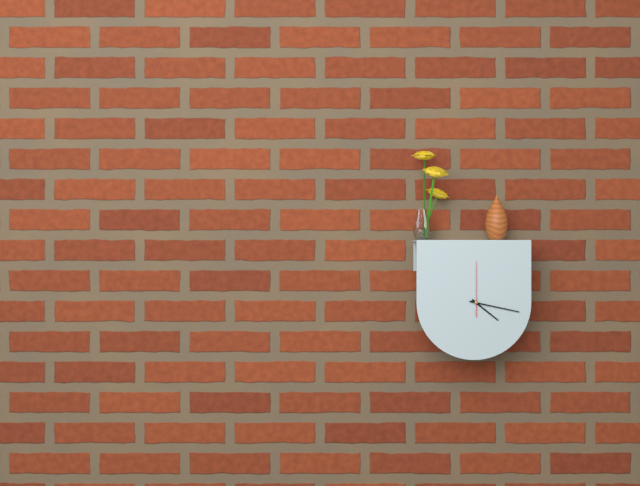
4:17:00
